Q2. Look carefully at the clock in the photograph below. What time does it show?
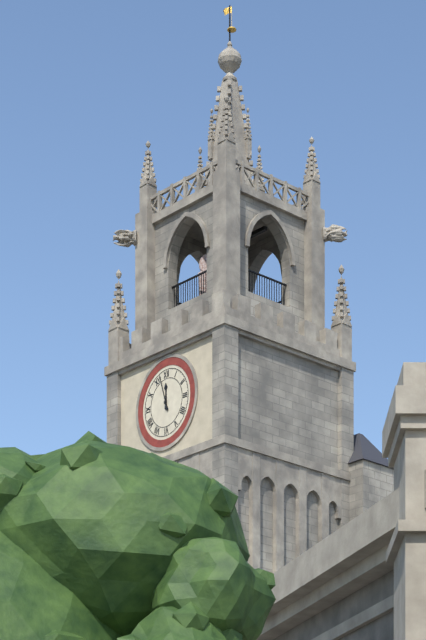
11:57
